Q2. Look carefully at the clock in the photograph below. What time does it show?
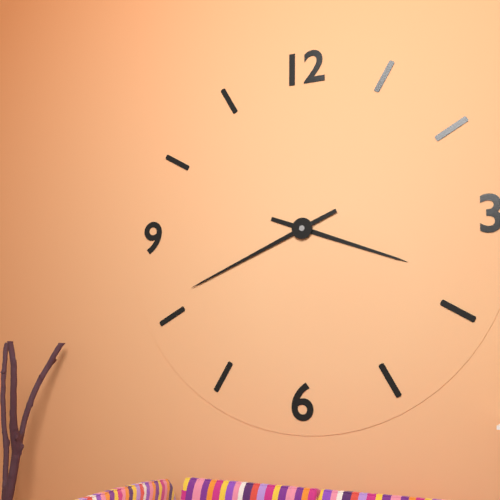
3:41
